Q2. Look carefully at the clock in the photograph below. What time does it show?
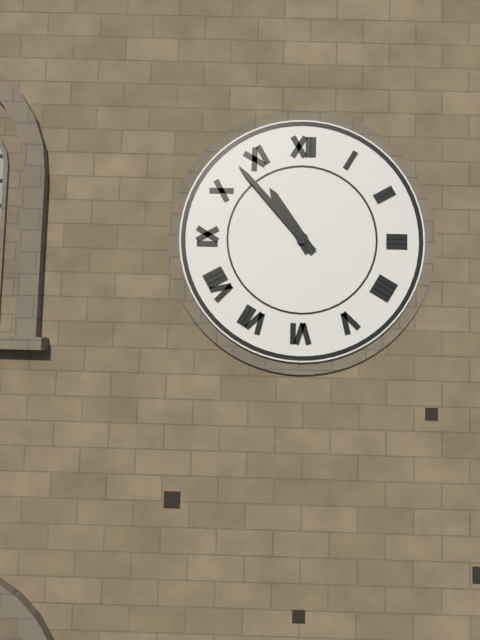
10:53
